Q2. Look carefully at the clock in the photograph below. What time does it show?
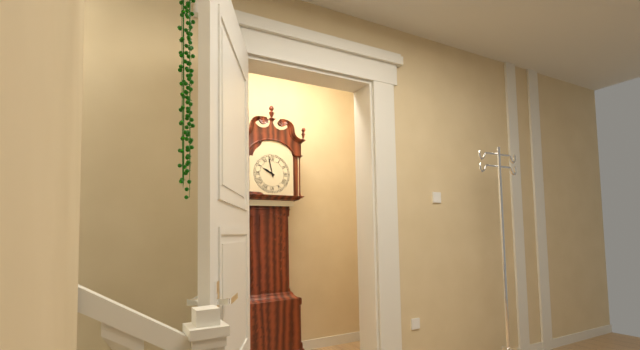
9:58
